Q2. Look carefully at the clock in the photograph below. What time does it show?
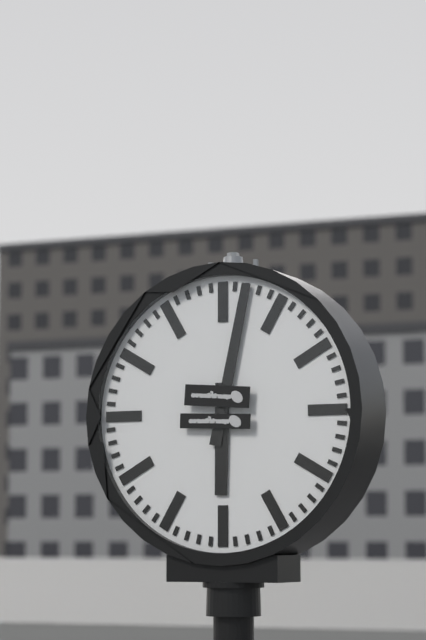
6:02
